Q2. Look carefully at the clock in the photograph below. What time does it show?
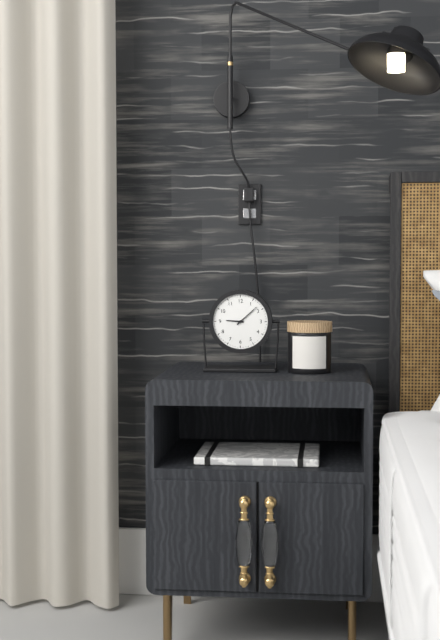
9:08
